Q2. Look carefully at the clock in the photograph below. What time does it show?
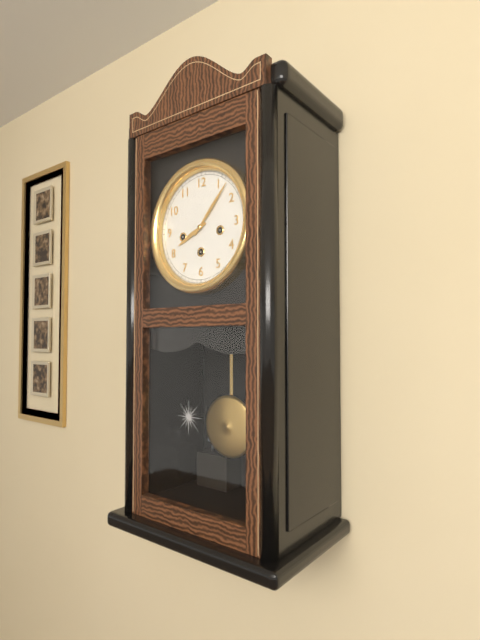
8:07
